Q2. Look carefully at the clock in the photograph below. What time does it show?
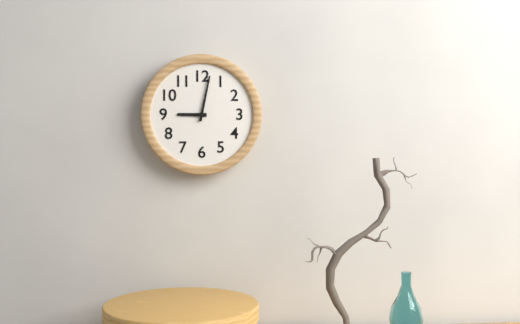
9:02
